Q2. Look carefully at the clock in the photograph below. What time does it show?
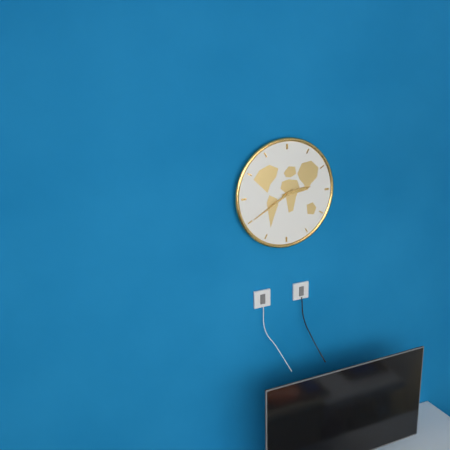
2:40
